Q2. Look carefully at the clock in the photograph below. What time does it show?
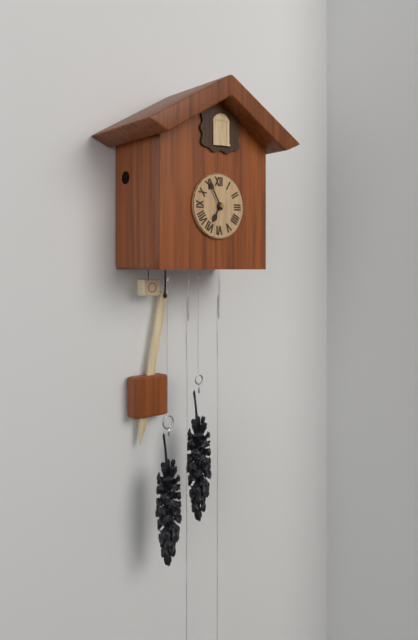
6:55
